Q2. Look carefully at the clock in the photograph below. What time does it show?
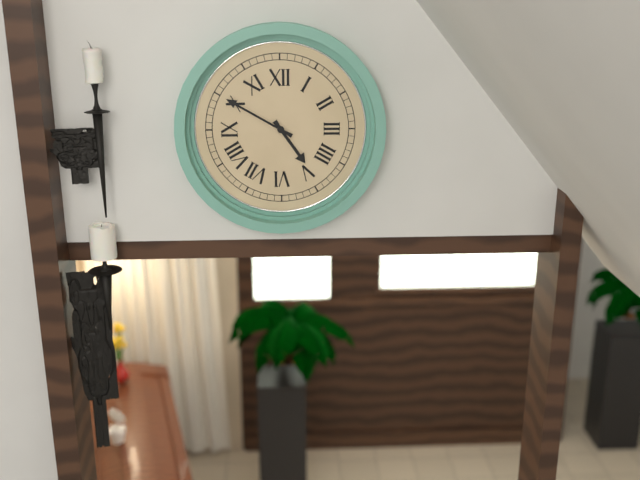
4:50
